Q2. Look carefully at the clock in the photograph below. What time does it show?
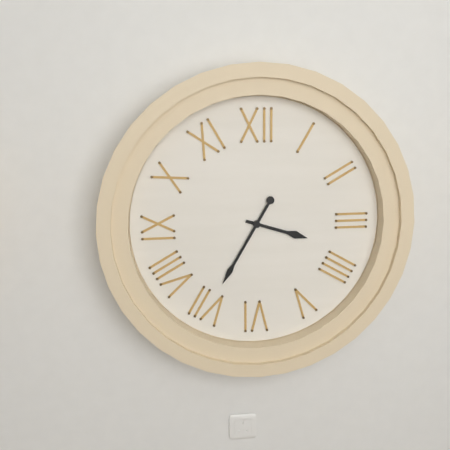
3:35
